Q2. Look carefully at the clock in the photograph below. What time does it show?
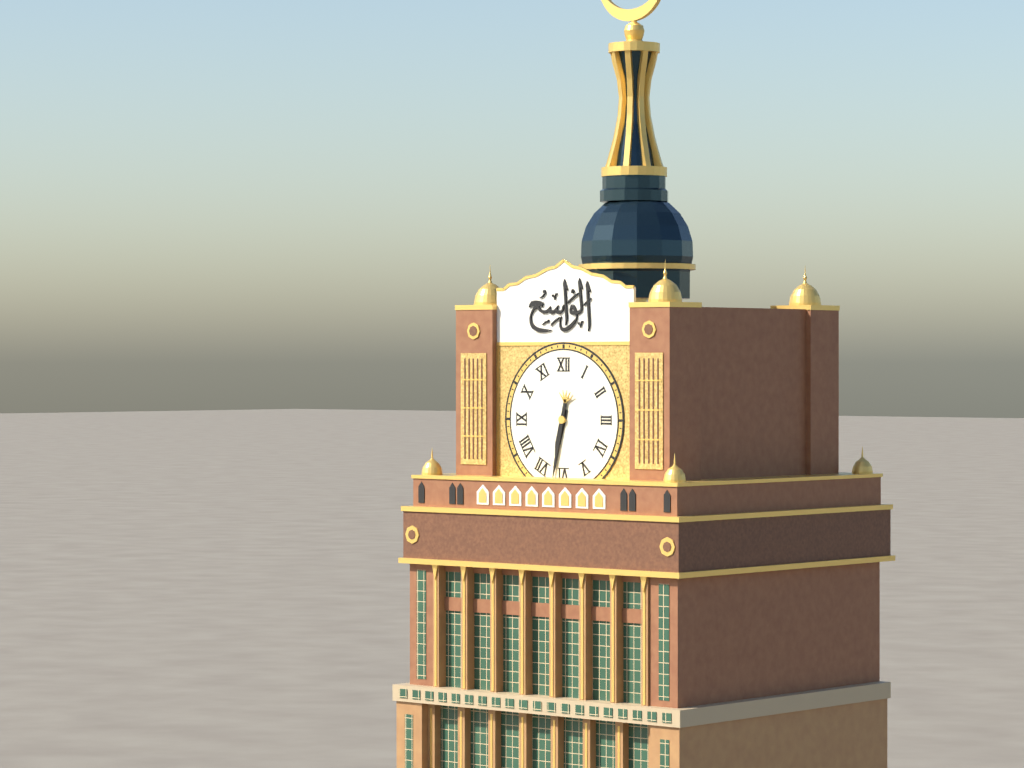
6:32
